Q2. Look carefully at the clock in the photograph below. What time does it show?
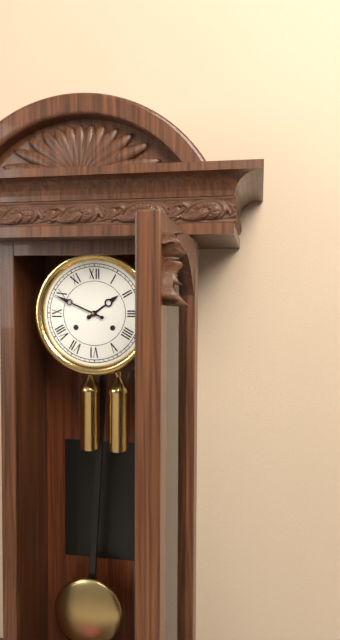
1:49
